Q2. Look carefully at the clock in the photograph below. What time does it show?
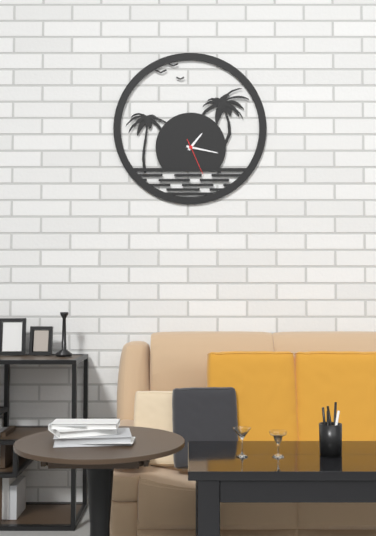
1:17
